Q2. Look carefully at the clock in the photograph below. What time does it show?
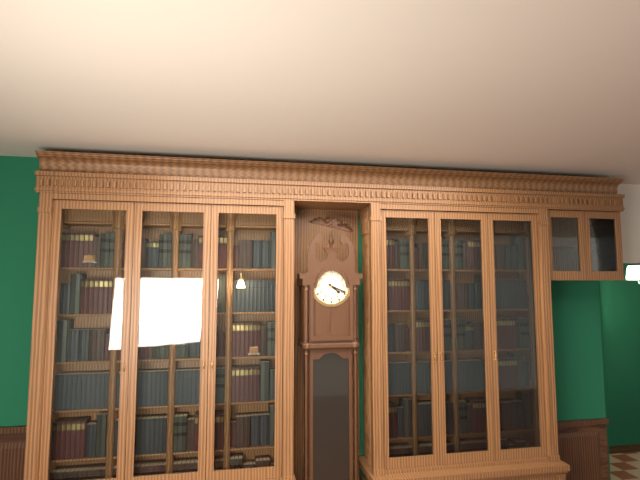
4:19
